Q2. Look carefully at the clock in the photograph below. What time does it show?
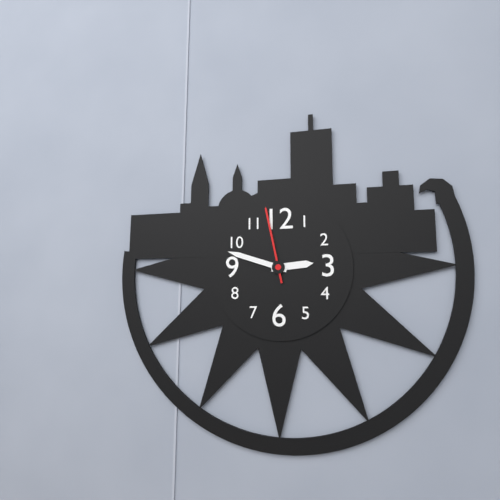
2:48:58
